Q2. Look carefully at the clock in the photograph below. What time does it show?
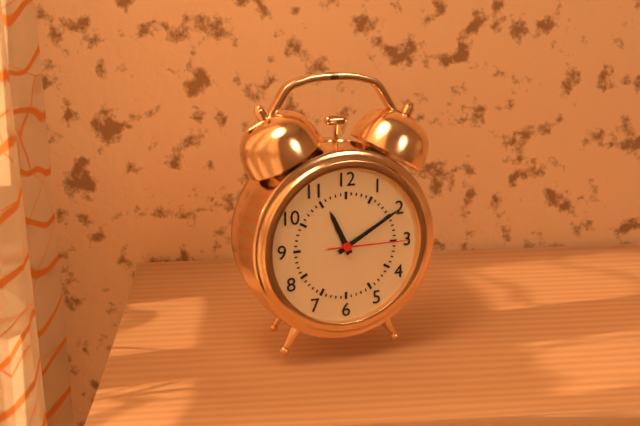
11:10:15
